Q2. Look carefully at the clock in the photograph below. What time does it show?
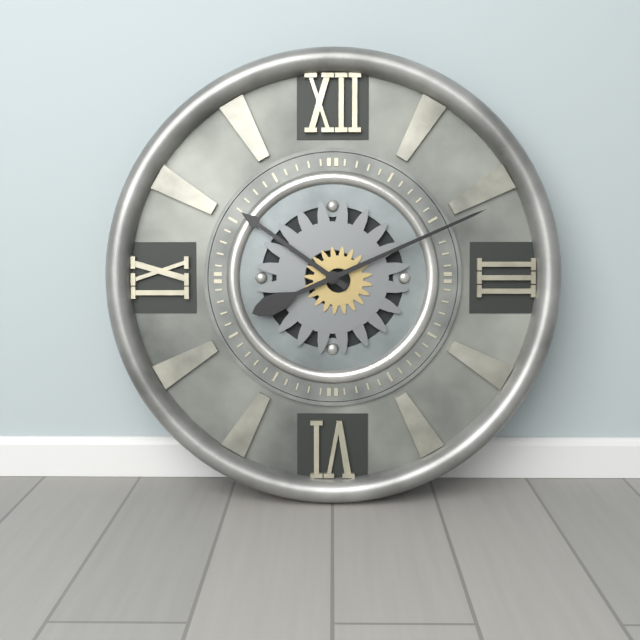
10:11
